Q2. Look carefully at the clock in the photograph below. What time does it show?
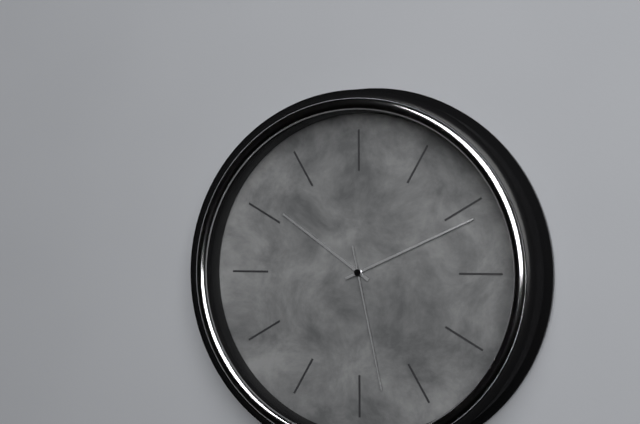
10:11:28
